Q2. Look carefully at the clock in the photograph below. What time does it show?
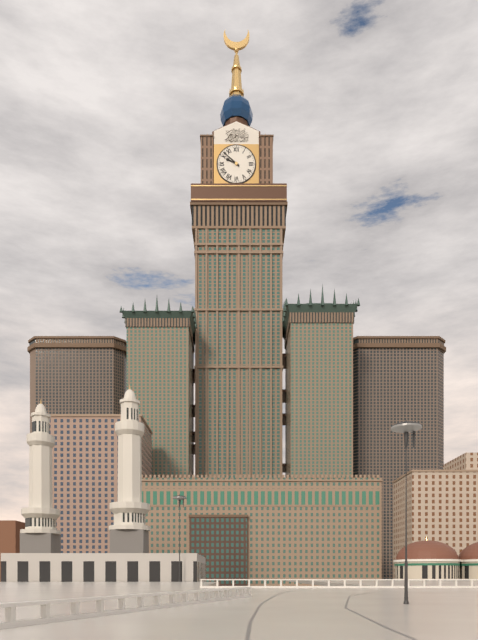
9:52
